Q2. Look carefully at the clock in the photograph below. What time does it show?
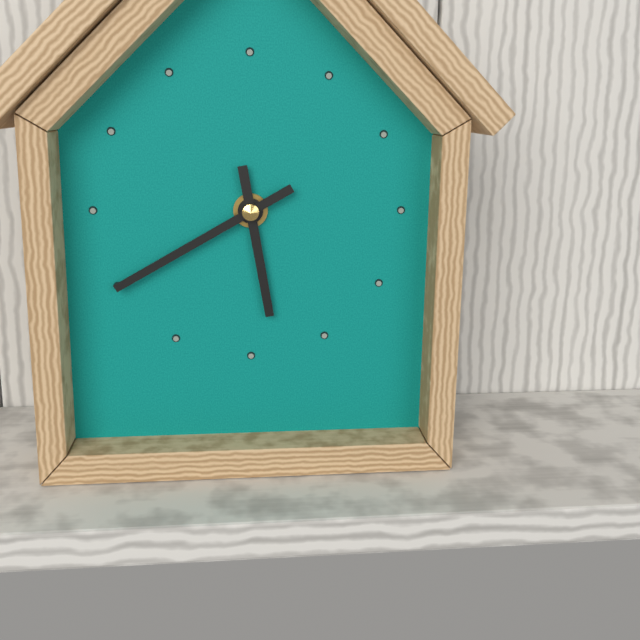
5:40
